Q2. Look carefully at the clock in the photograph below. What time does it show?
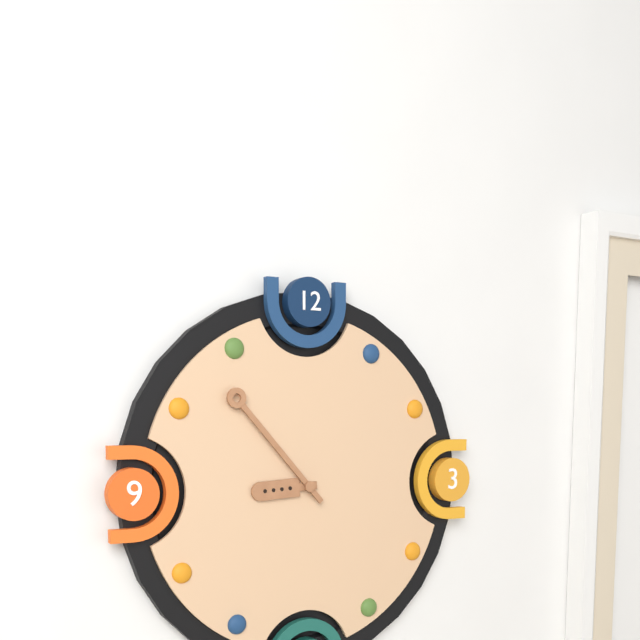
8:53
